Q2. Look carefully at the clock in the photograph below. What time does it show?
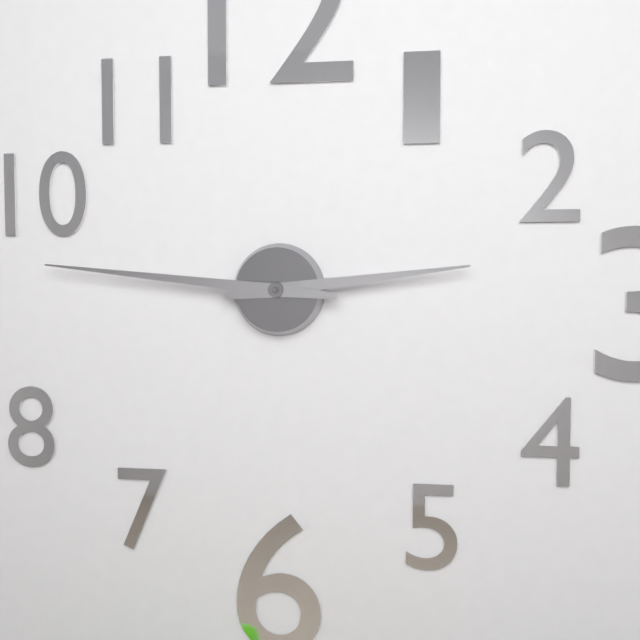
2:46
